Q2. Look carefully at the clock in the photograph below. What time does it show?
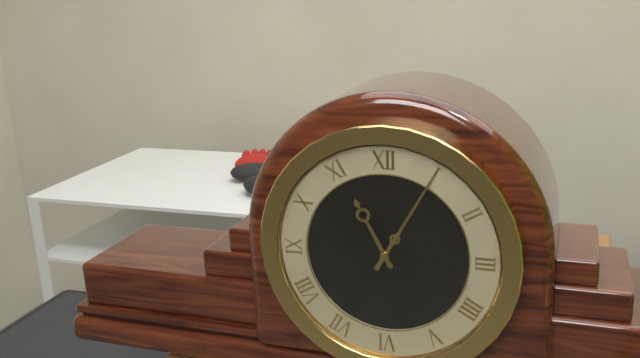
11:05
